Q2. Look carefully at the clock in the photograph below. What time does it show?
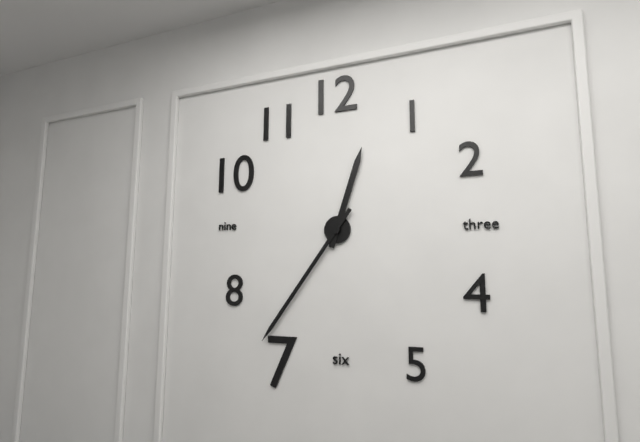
12:36
